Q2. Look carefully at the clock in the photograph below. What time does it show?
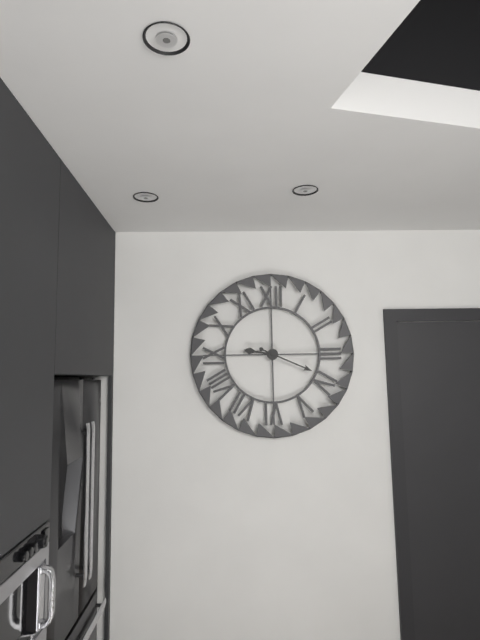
9:19
